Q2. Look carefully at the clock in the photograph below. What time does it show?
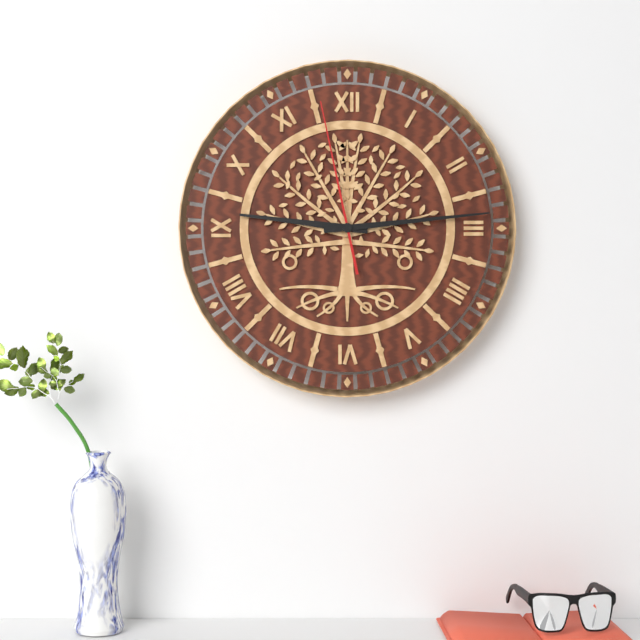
9:14:58
